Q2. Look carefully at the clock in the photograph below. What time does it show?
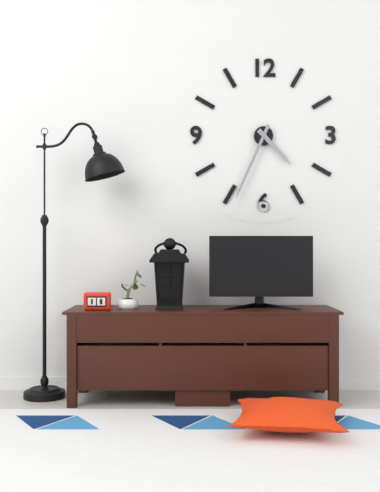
4:34
